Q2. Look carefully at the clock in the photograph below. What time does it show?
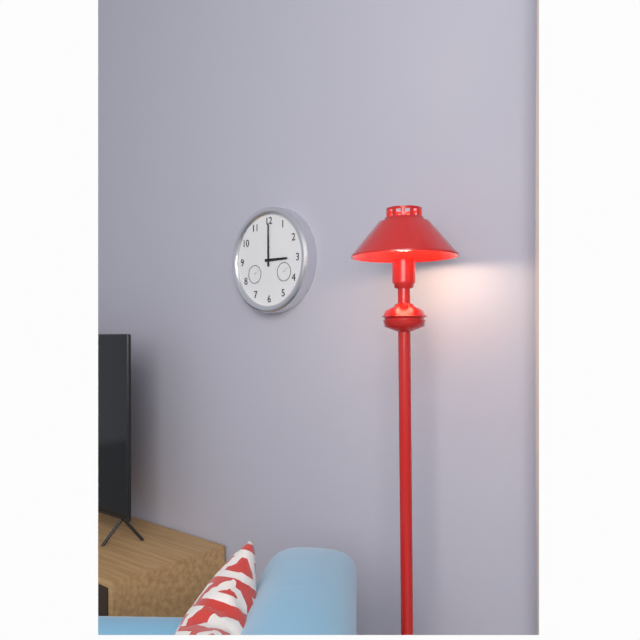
3:00
